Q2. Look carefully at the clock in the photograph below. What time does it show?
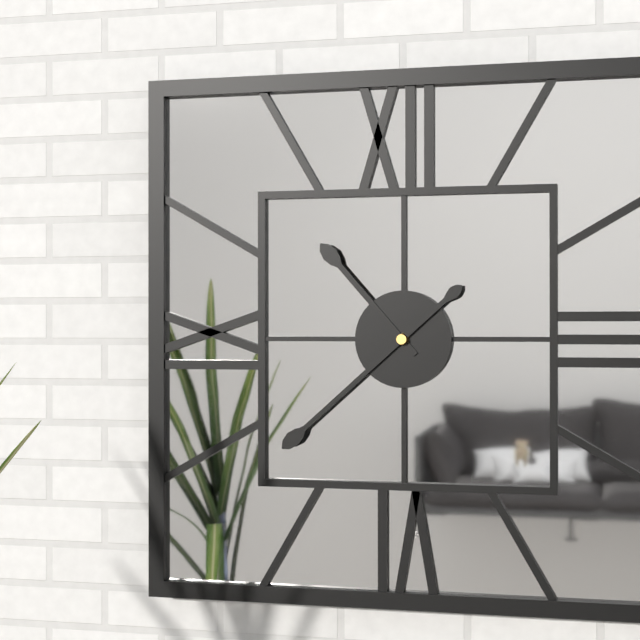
10:38
